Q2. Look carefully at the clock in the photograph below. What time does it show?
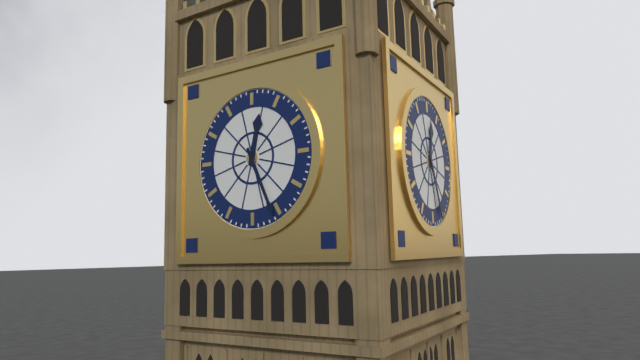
12:26
